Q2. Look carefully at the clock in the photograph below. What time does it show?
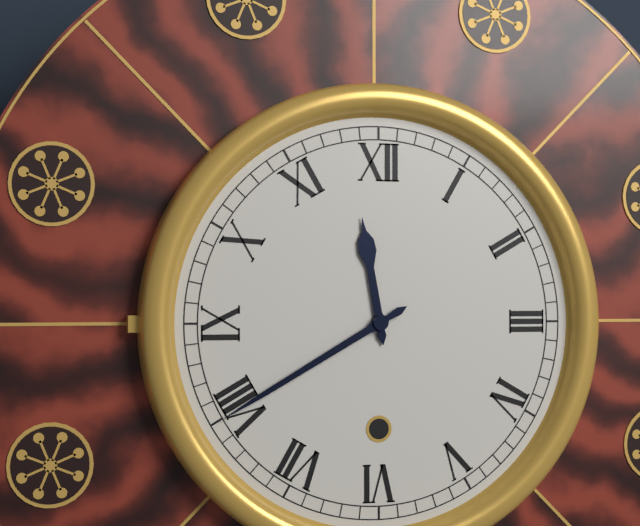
11:40
